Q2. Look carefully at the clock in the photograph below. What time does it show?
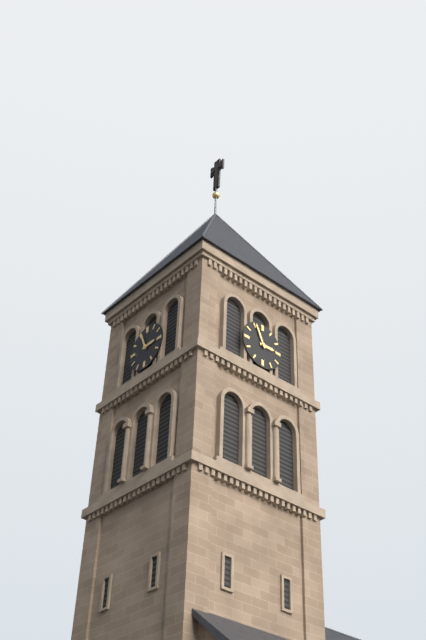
2:56
